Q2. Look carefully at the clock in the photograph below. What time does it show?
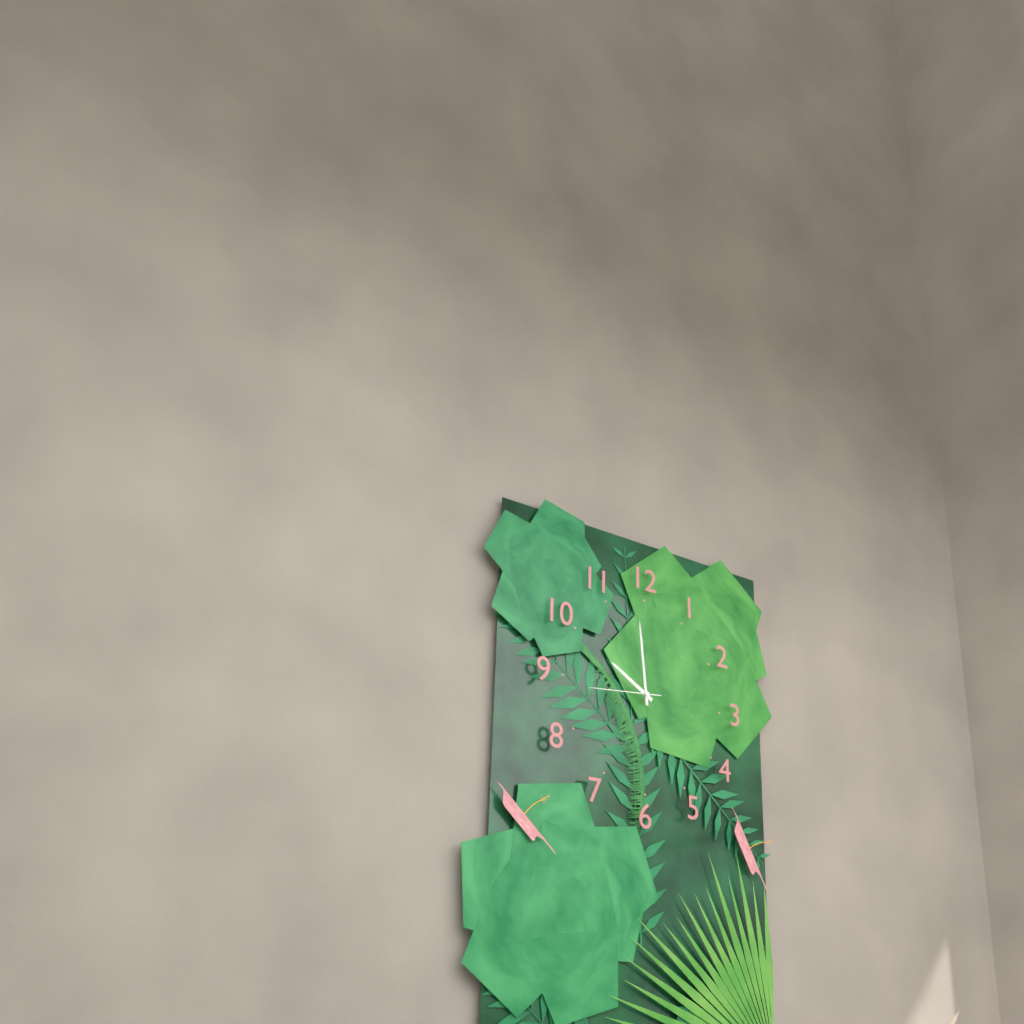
9:59:44
